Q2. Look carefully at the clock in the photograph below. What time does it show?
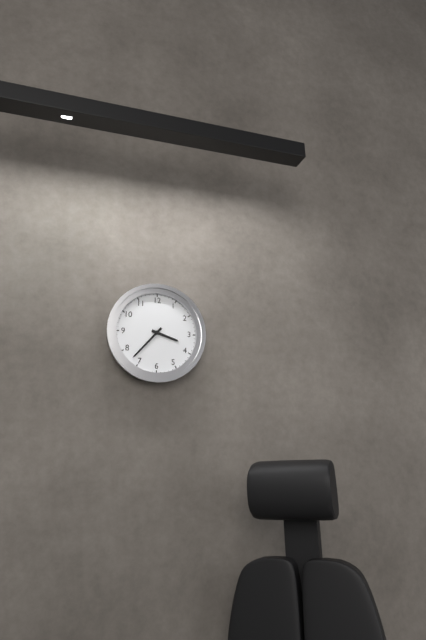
3:37
